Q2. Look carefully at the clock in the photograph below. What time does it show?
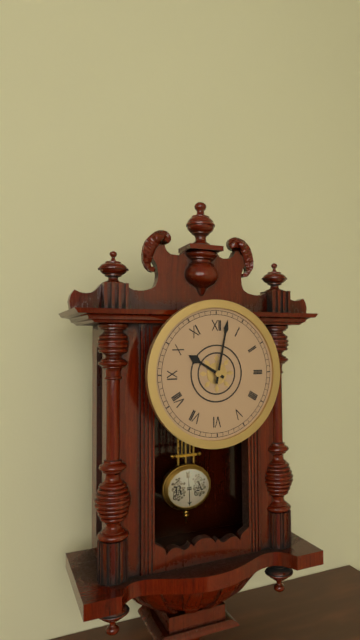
10:02
